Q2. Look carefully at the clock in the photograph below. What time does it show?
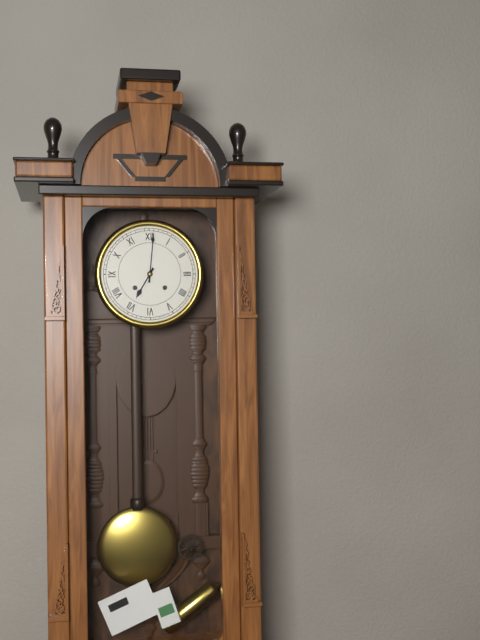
7:01
